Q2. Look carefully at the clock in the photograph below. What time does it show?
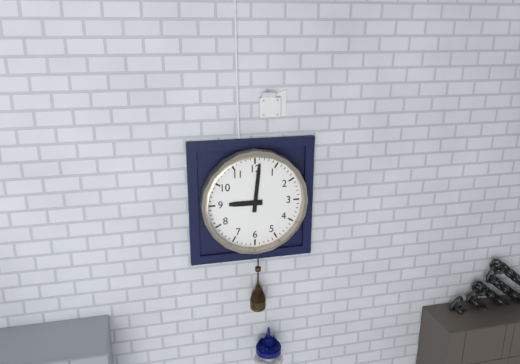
9:01
